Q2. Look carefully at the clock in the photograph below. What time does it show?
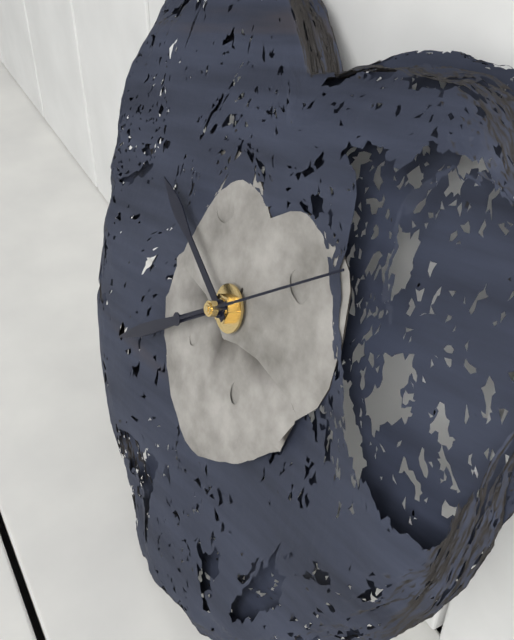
9:38:08
